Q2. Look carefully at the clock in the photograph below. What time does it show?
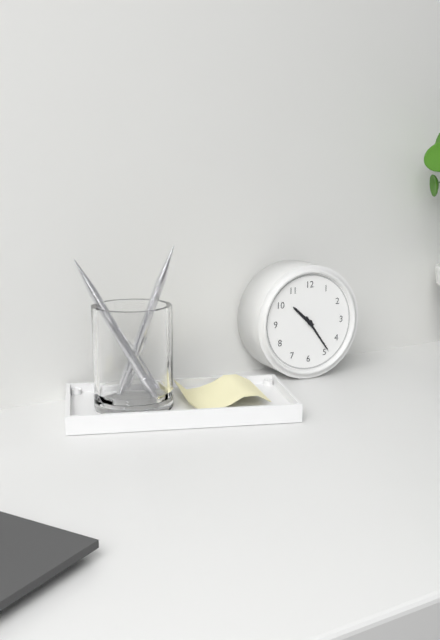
10:24
